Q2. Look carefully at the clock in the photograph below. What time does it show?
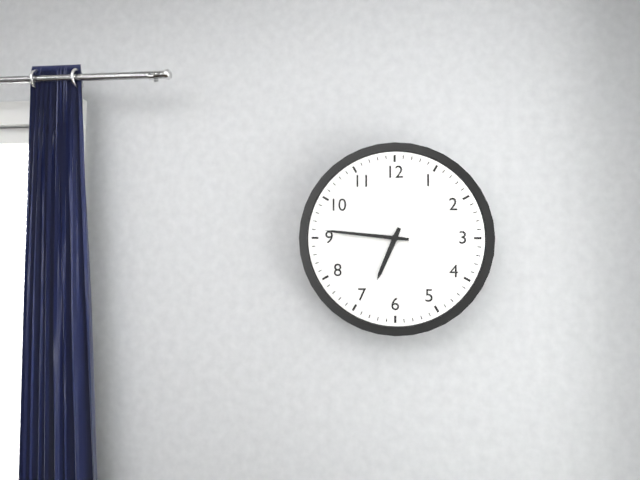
6:46
